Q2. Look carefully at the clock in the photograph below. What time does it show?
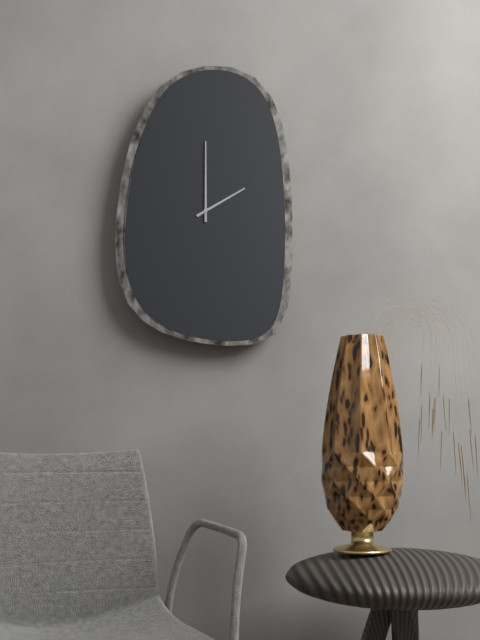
2:00
